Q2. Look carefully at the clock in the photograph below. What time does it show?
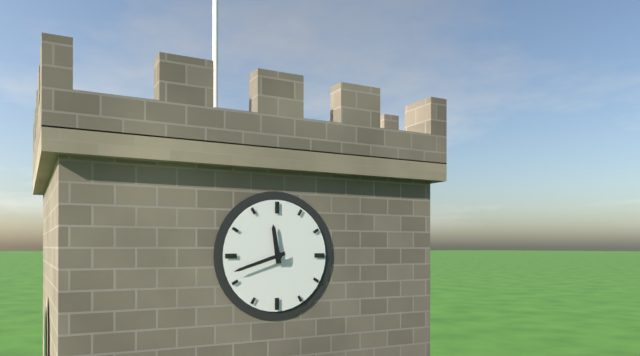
11:42
